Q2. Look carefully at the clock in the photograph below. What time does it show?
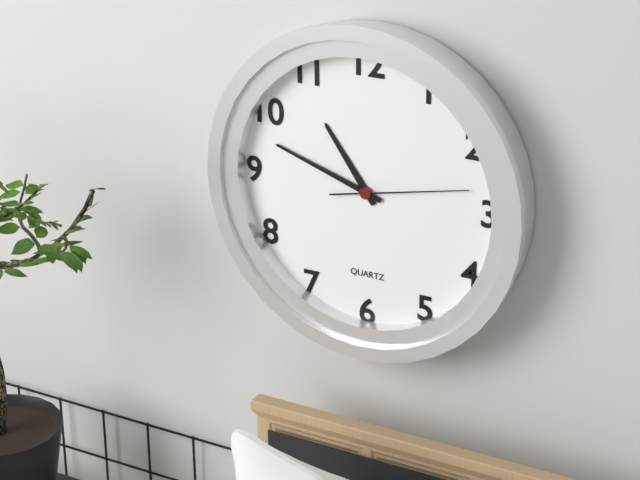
10:48:13
